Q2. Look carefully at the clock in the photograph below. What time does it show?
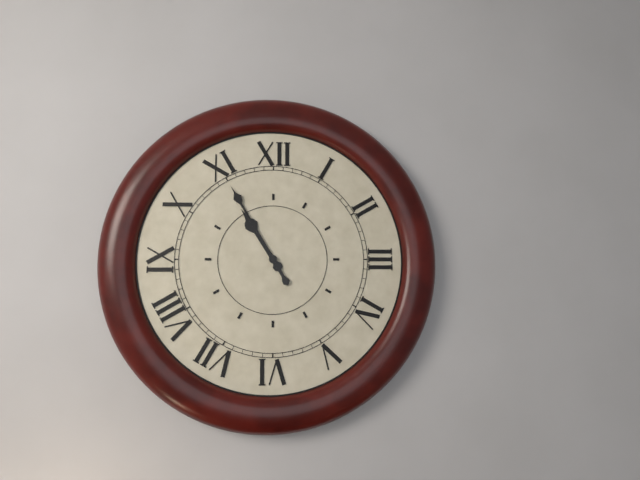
10:55
